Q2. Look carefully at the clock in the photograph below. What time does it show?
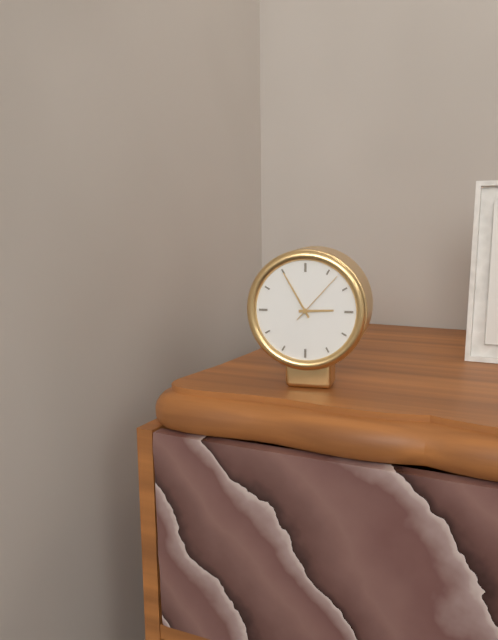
2:55
